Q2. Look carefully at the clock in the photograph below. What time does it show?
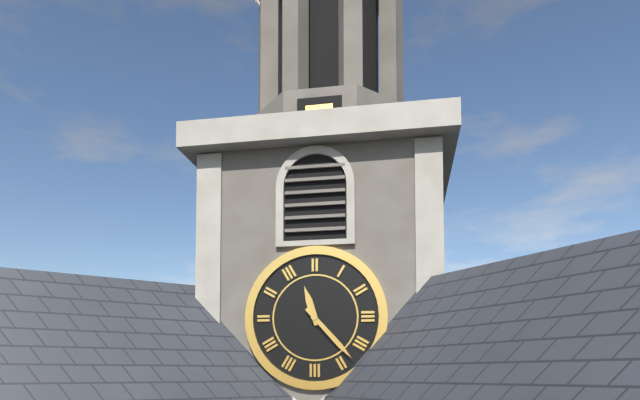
11:23
